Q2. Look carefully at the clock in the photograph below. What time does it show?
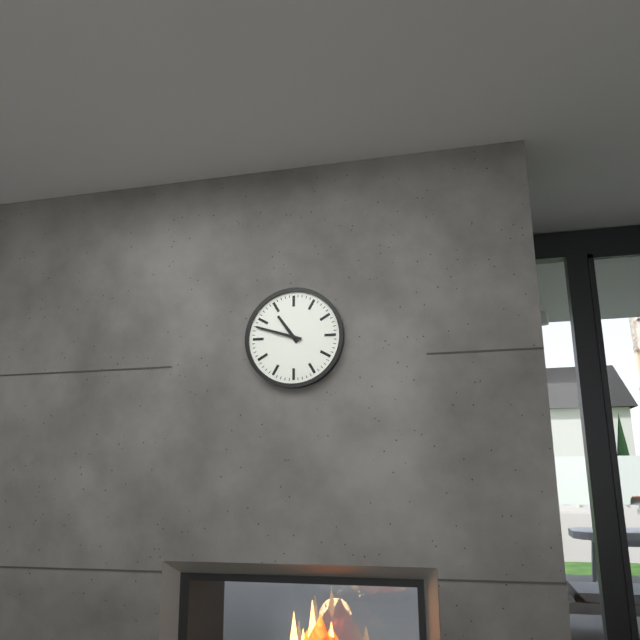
10:48
